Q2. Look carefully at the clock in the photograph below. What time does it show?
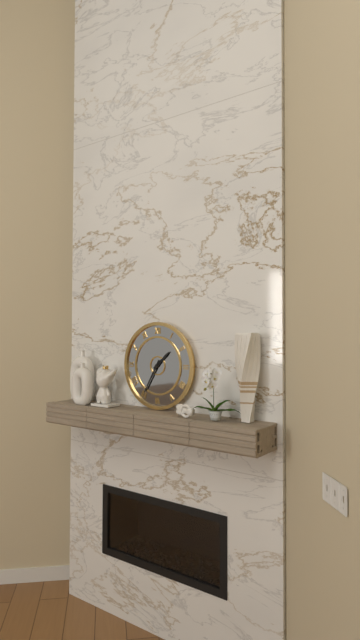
1:35
